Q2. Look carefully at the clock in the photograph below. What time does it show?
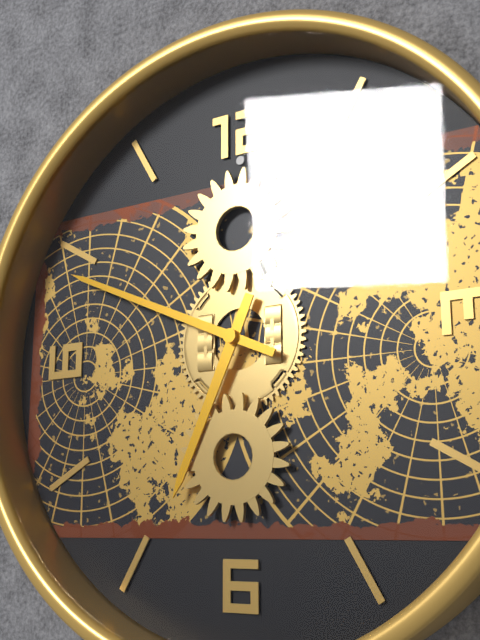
6:49
